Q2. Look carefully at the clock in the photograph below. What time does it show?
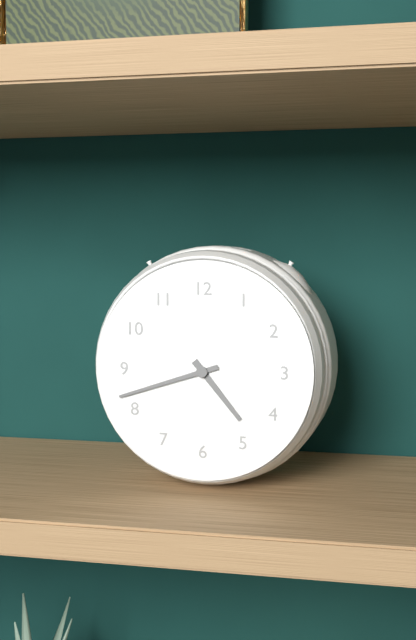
4:42
